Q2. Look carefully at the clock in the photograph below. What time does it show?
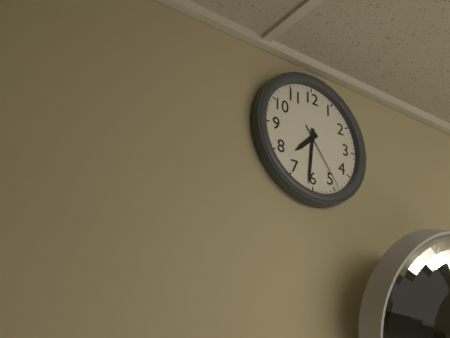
7:31:24
